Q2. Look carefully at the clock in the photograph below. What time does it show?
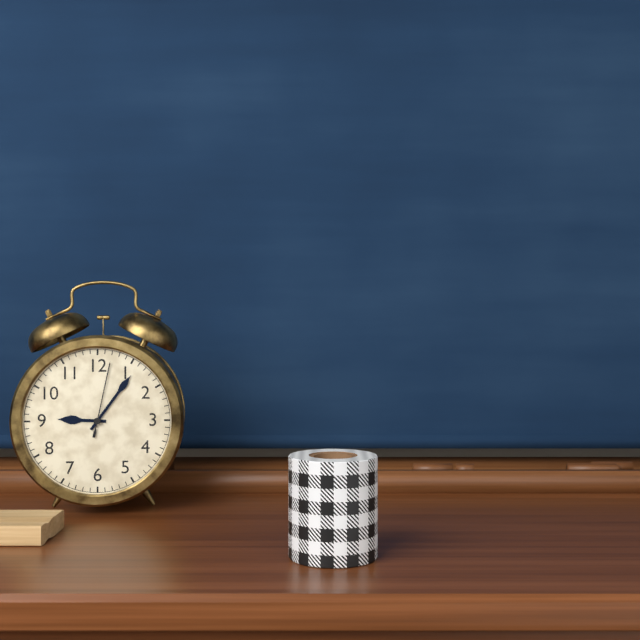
9:06:02
